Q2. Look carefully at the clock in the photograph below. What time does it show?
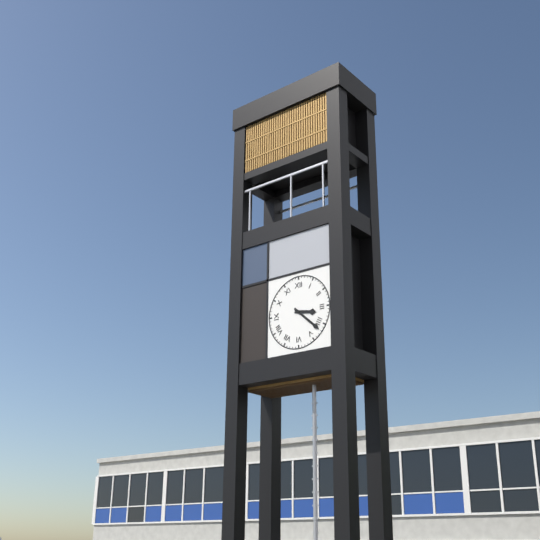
3:22
